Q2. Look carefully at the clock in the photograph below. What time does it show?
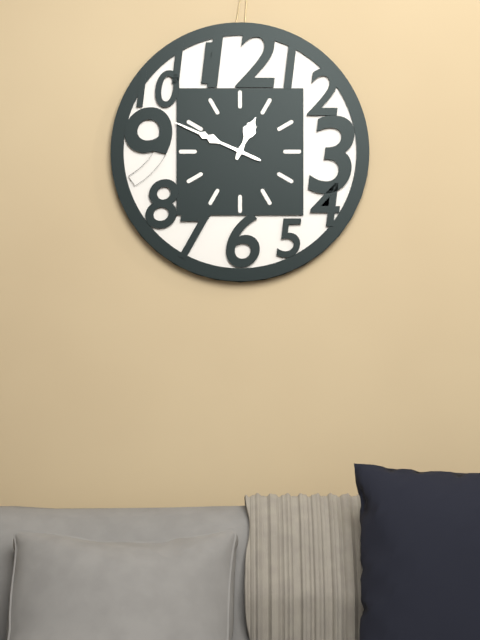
12:49
